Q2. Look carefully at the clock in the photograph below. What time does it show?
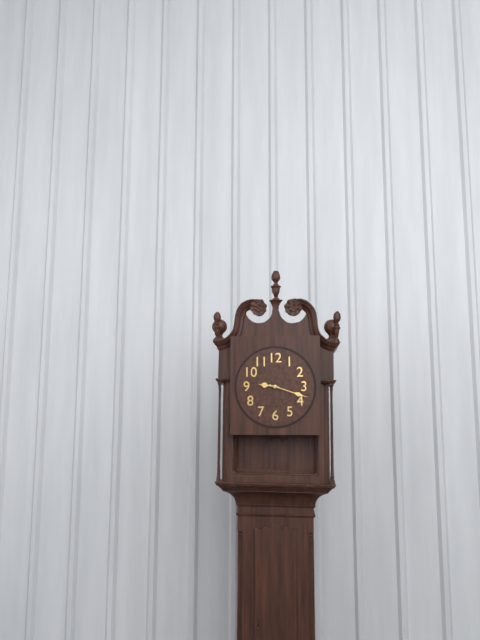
9:18
